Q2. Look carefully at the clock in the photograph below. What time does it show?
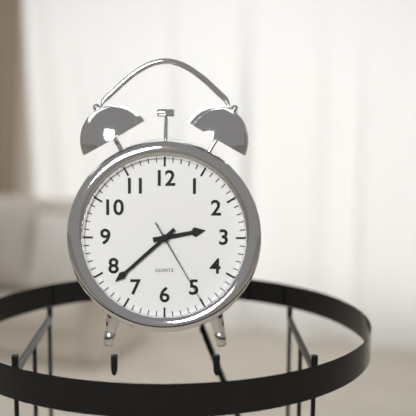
2:38:25
